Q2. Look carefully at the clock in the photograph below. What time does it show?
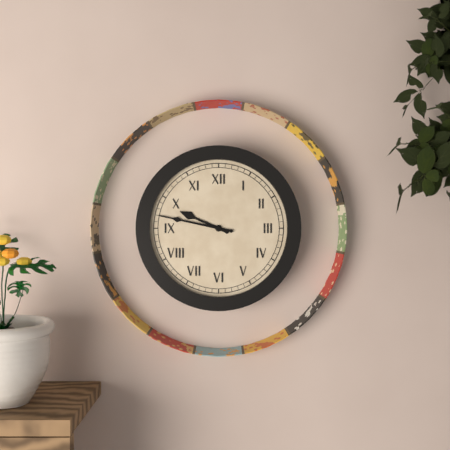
9:47
